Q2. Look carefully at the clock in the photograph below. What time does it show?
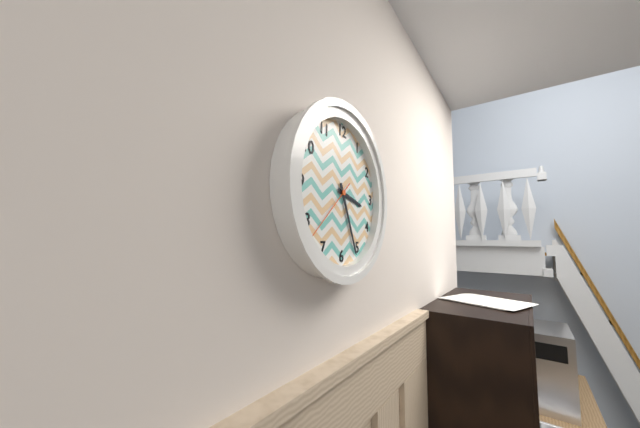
3:26:38
